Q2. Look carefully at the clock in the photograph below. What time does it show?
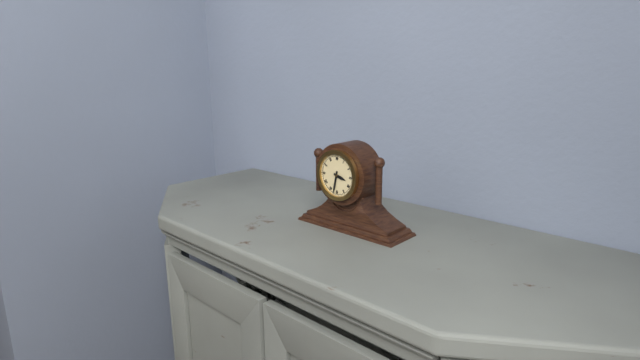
3:32
